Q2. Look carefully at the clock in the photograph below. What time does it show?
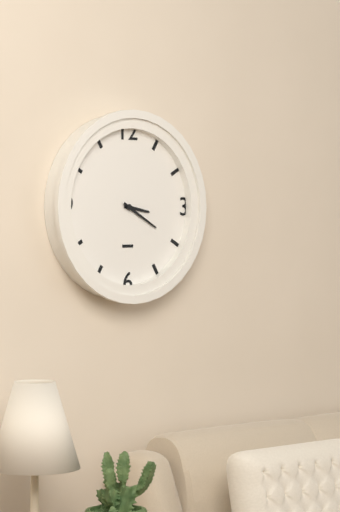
3:20
